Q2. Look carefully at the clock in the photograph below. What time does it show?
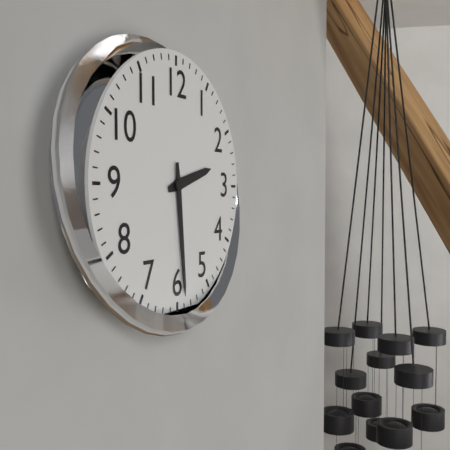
2:29
